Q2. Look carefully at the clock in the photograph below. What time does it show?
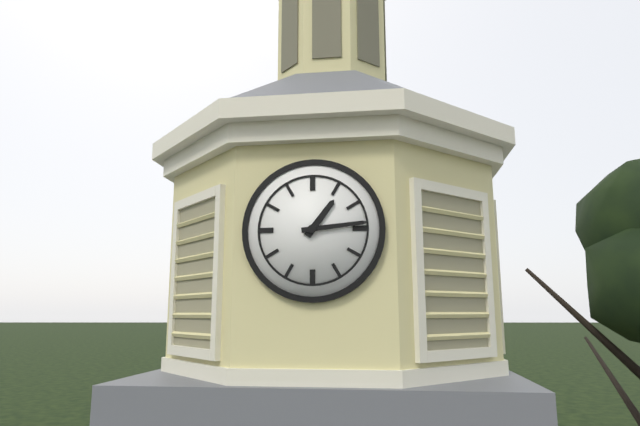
1:14
